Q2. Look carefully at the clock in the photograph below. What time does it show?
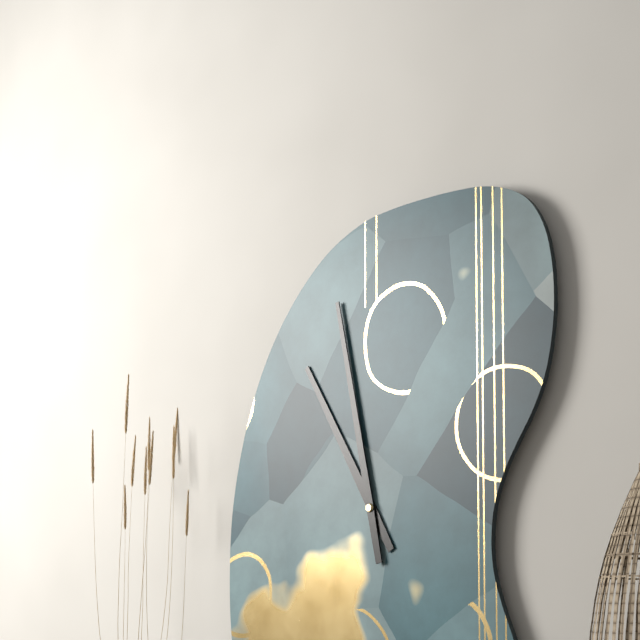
10:58
